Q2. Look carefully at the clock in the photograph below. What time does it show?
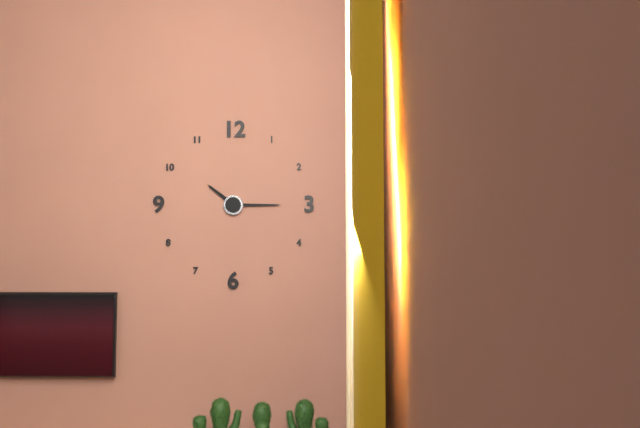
10:15
